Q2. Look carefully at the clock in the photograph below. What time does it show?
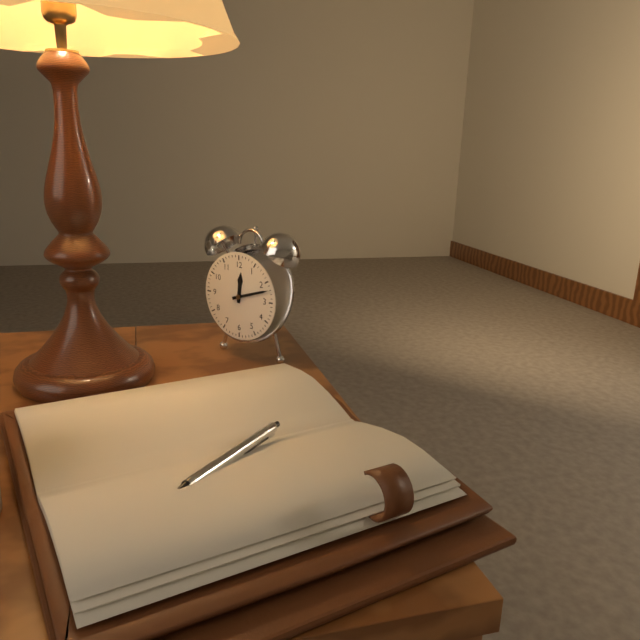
12:12
